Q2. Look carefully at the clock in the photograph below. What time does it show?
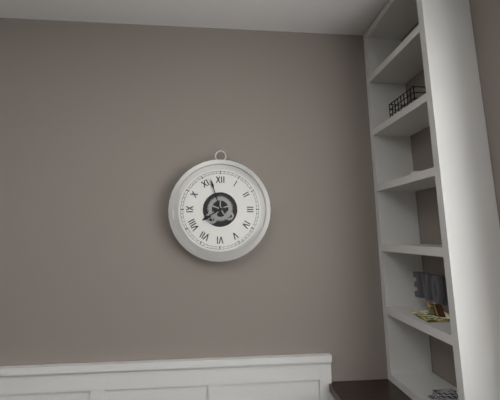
7:57
